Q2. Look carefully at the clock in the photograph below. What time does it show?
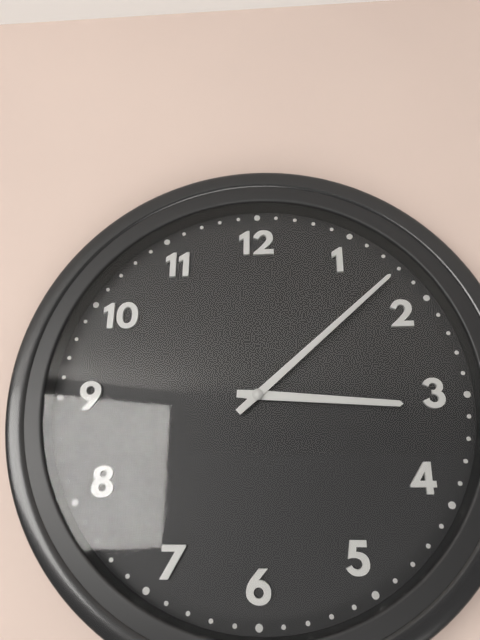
3:08
